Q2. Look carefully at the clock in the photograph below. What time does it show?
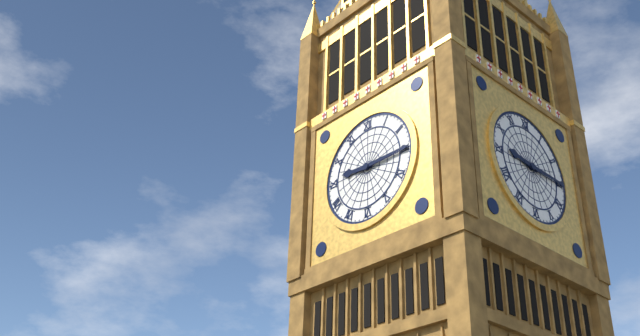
9:15
